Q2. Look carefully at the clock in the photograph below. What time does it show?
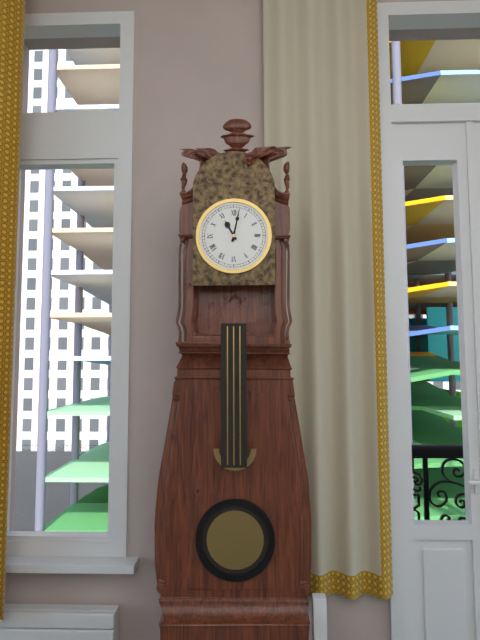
11:02
